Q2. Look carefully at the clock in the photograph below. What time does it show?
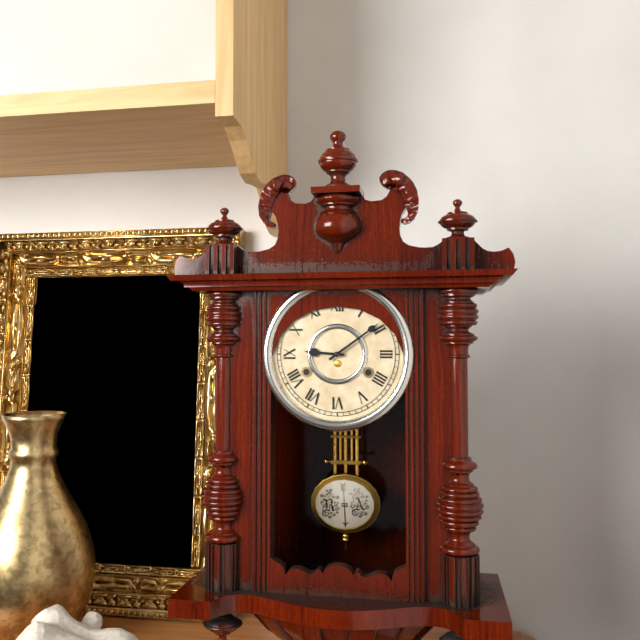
9:09
